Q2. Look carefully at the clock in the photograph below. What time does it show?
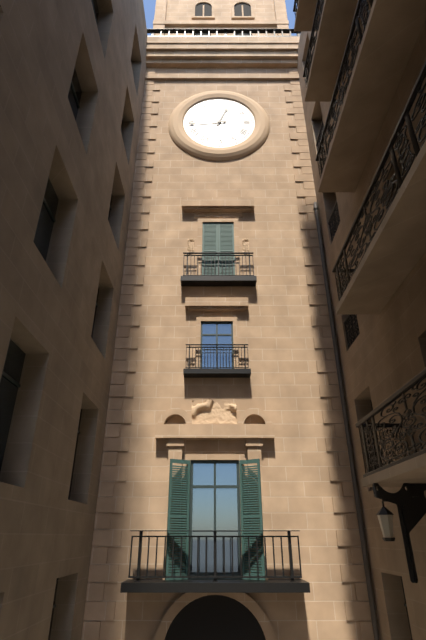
12:44
